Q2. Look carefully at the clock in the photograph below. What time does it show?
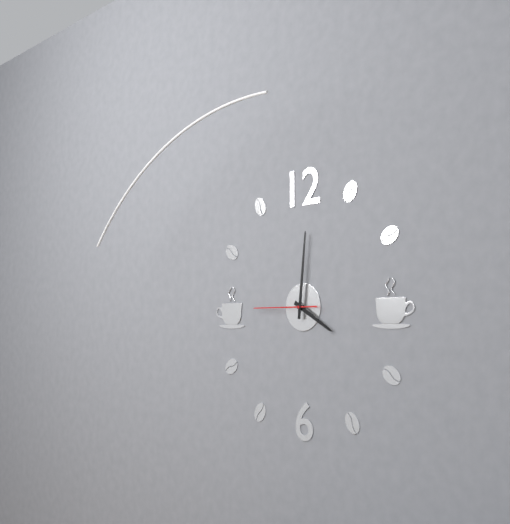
4:01:45
